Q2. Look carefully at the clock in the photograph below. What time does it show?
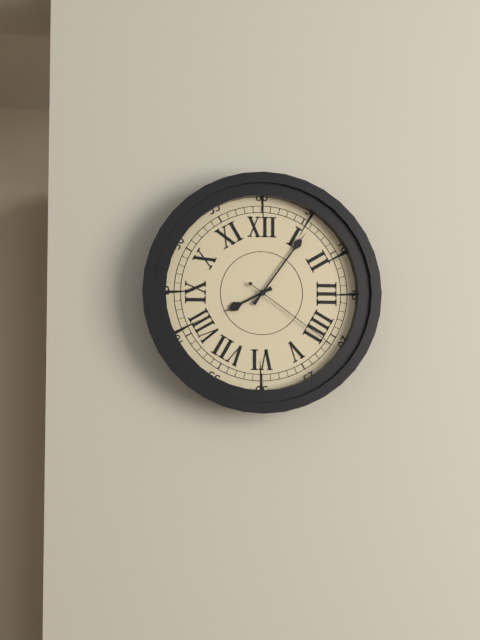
8:06:21
